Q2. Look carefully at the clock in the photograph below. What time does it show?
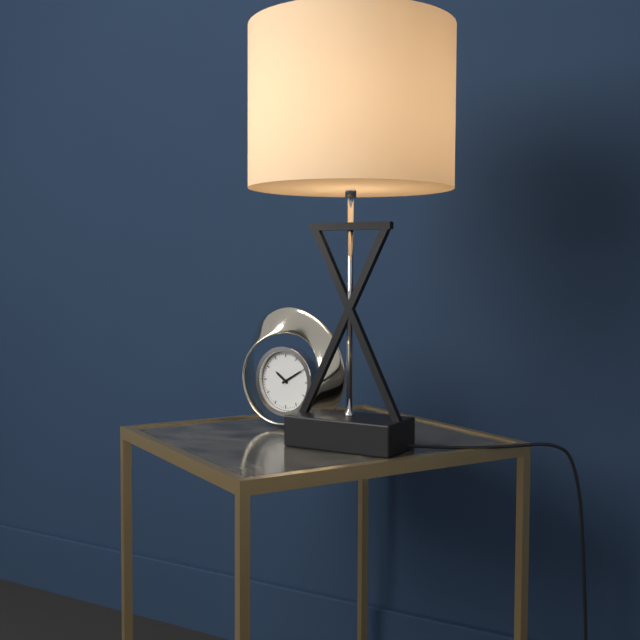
10:10
